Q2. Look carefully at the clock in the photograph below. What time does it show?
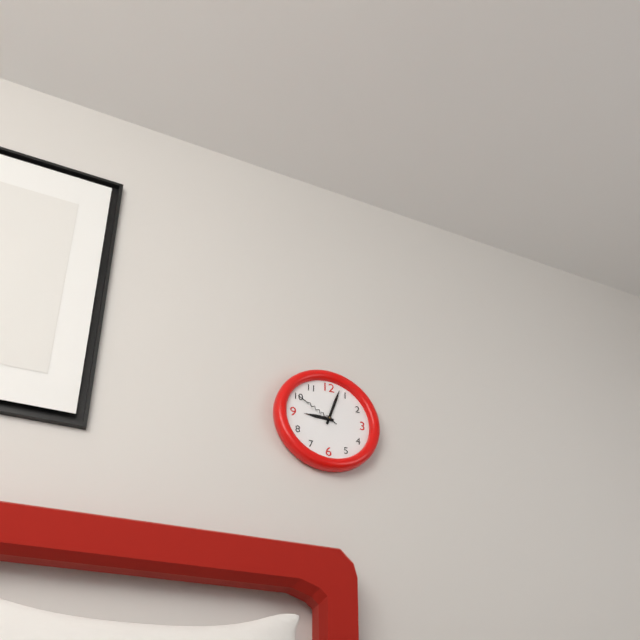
9:03
